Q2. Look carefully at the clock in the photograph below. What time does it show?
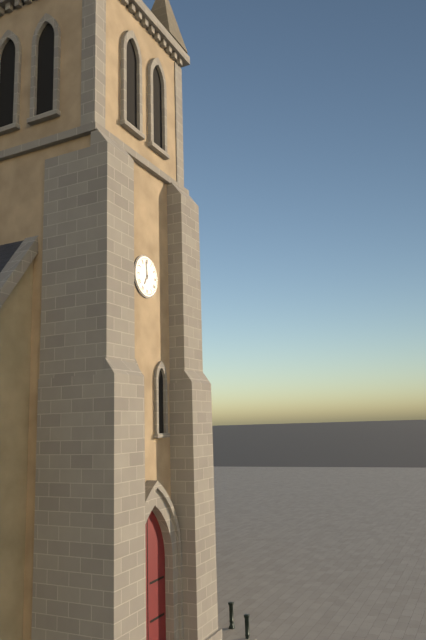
6:59
